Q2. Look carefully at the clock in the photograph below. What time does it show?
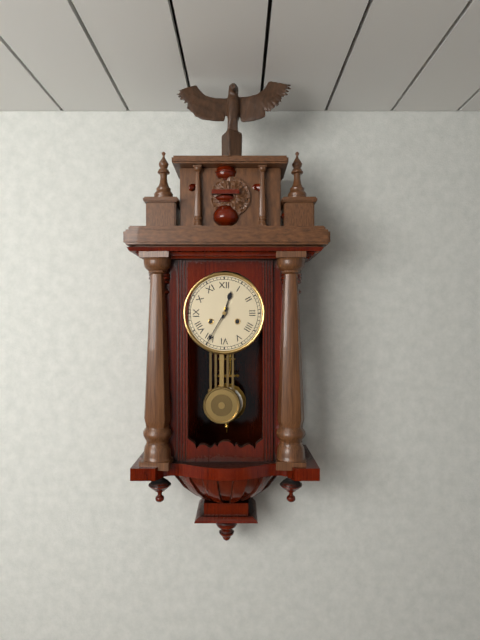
12:35
